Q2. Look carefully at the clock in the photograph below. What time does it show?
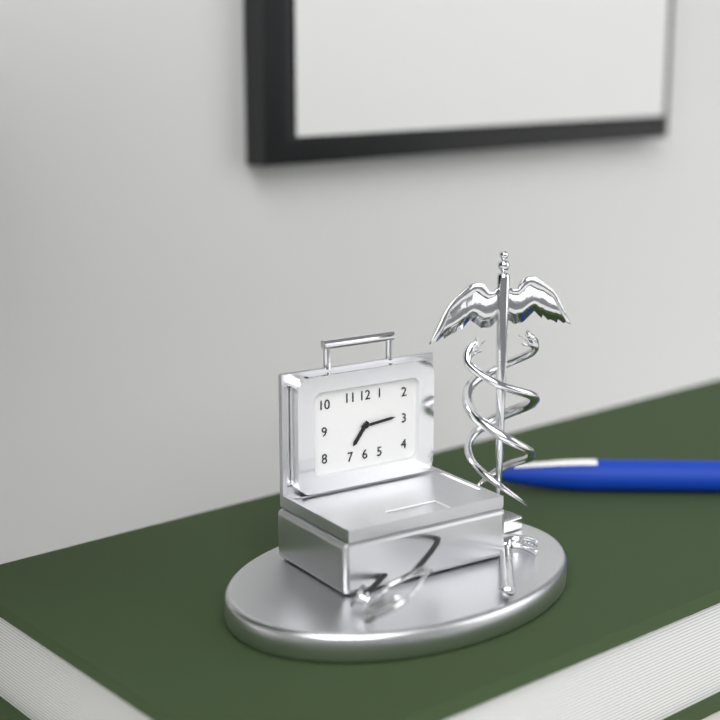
7:14
